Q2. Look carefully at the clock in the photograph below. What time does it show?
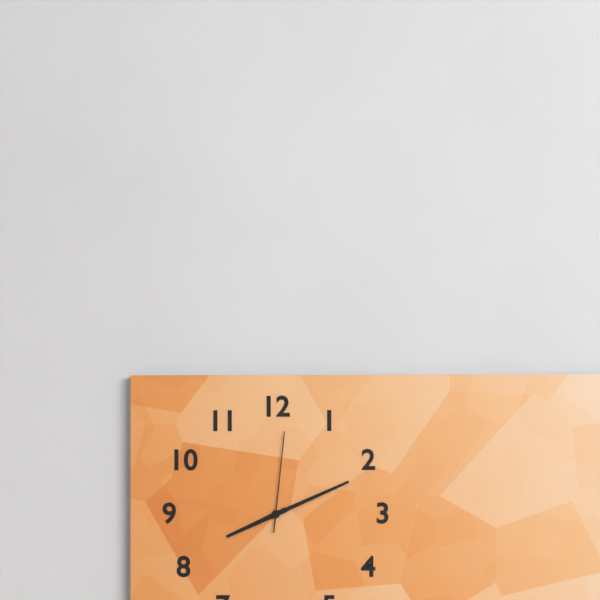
8:11:01
